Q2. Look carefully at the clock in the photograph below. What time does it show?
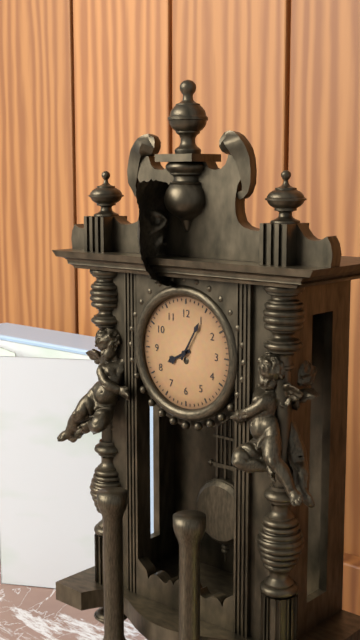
8:05
